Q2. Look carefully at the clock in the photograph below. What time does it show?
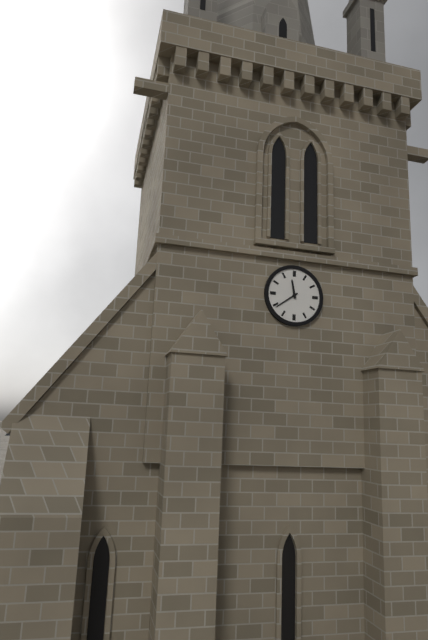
11:39
